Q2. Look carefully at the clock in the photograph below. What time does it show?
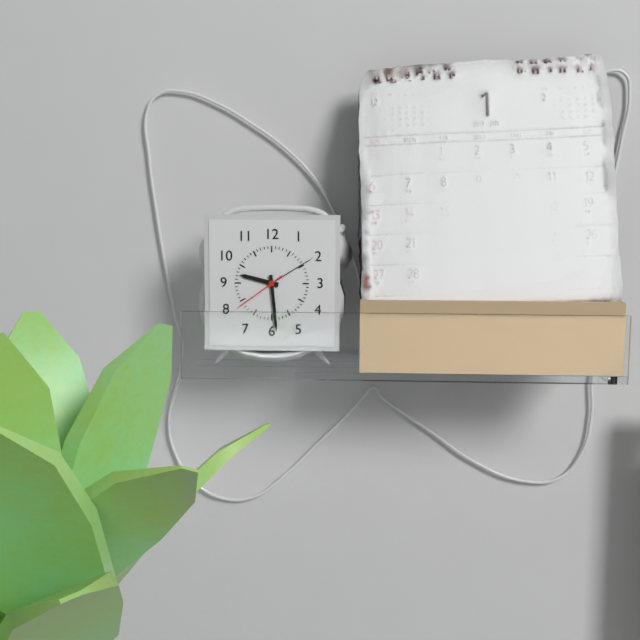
9:29:39
